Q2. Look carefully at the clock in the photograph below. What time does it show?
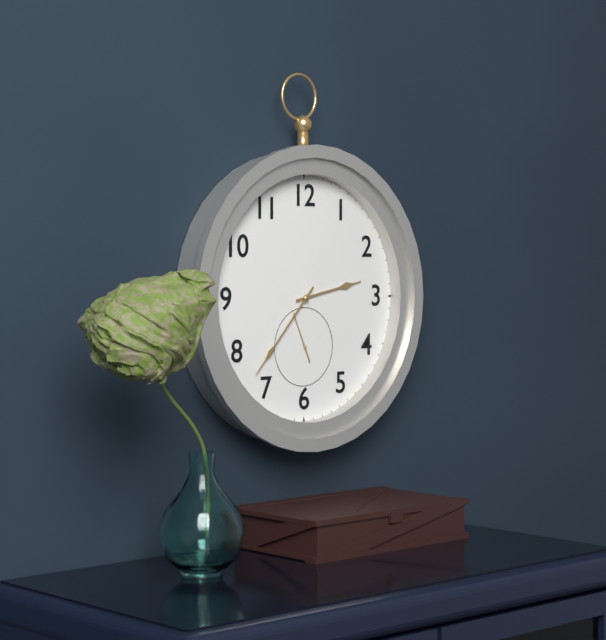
2:37
